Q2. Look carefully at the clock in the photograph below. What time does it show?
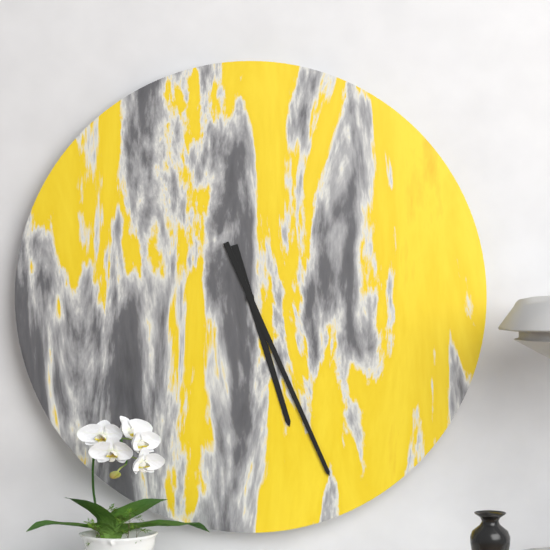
5:26
